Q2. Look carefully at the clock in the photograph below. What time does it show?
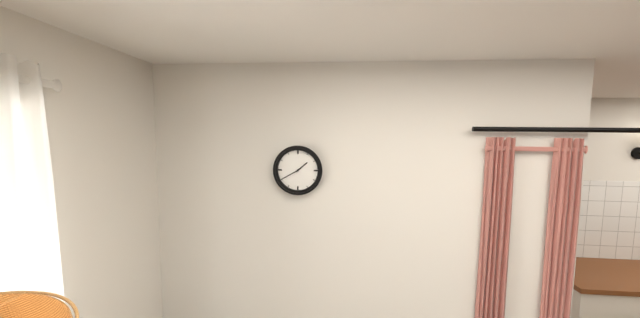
1:40
